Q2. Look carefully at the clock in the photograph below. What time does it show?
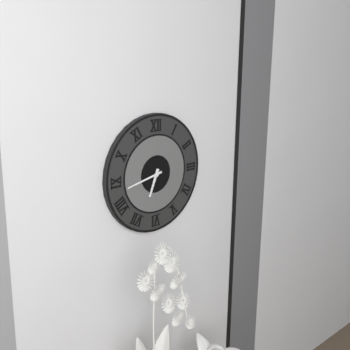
6:43
